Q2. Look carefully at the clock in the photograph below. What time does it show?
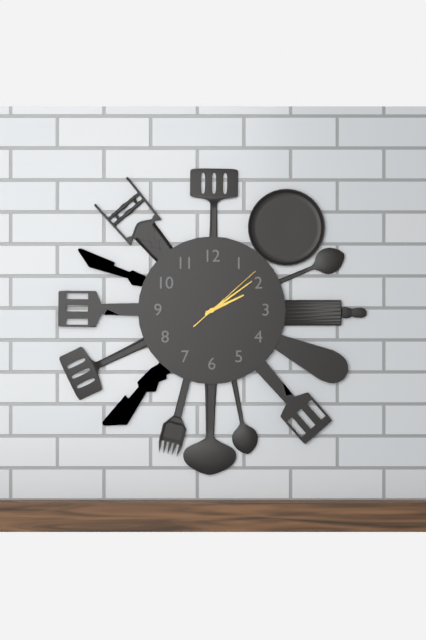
2:09:08
